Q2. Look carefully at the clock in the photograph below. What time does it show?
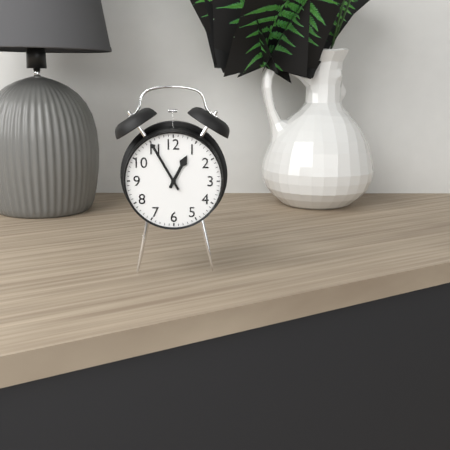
12:55
